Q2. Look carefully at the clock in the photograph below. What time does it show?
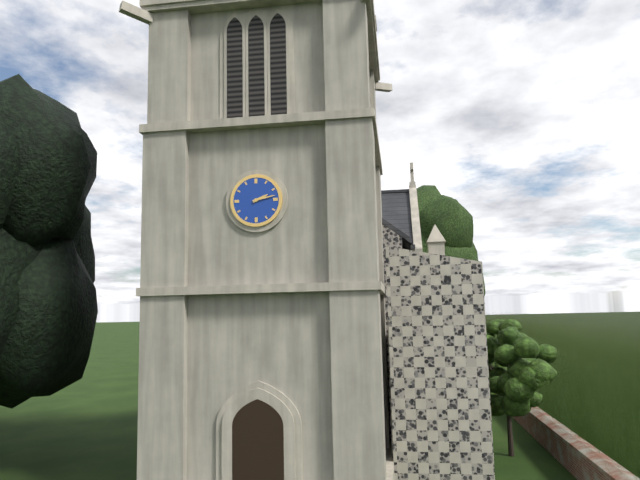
2:13
